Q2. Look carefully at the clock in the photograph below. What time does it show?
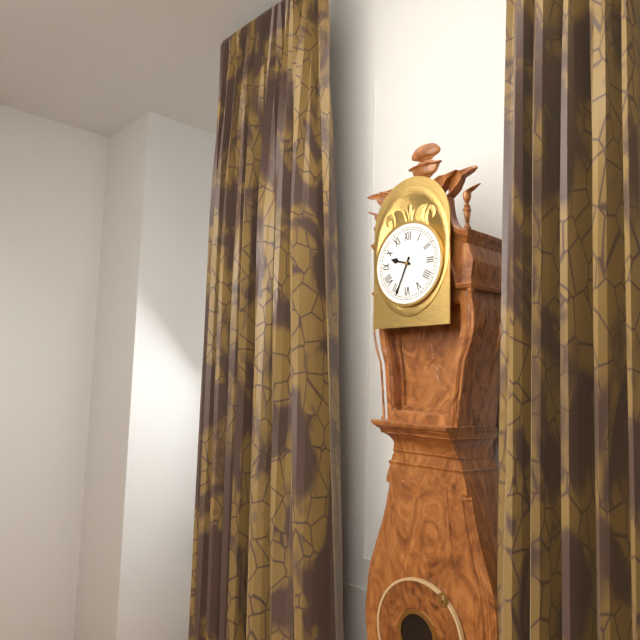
9:34
